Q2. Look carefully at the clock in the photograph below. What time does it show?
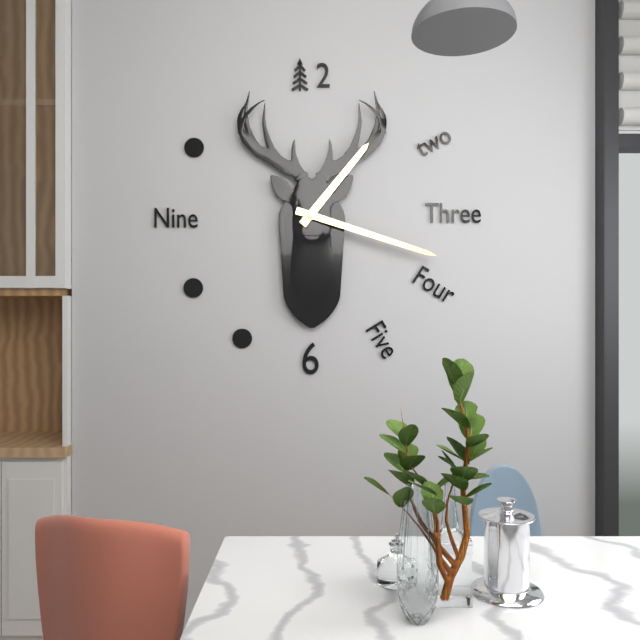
1:18
